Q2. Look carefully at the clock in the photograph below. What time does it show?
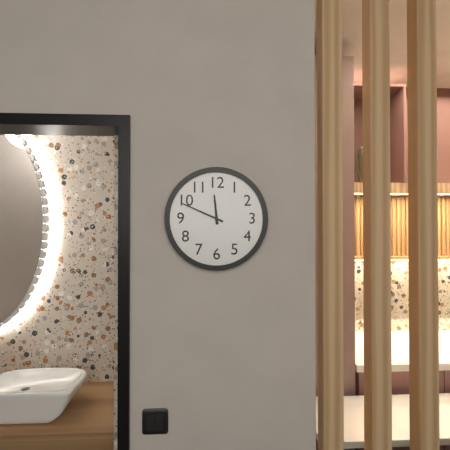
11:49
